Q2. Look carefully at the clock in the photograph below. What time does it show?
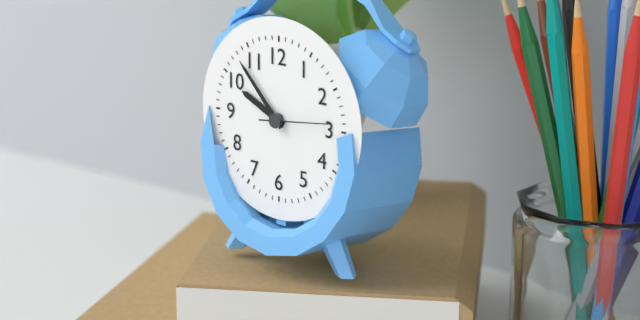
9:53:14
